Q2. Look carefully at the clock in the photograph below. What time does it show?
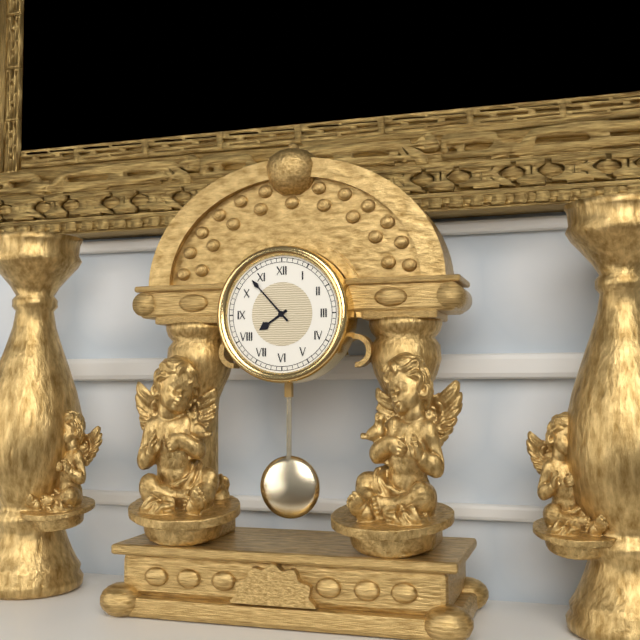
7:53
